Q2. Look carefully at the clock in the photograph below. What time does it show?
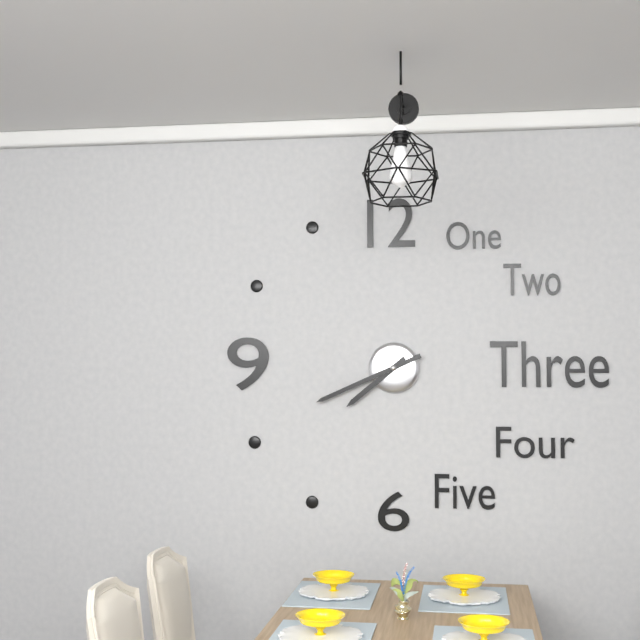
7:41
